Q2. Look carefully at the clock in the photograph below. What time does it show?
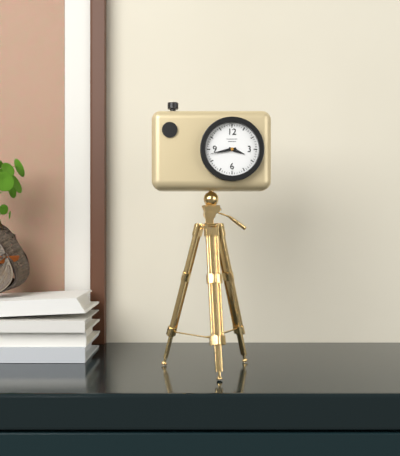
3:43
